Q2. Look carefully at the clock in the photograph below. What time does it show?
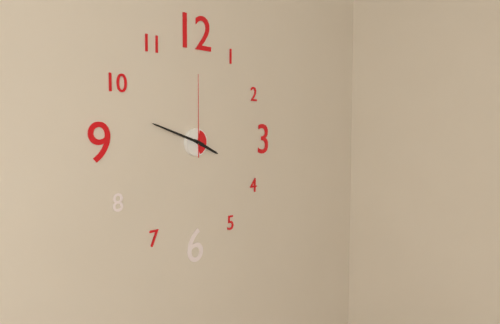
3:48:00
